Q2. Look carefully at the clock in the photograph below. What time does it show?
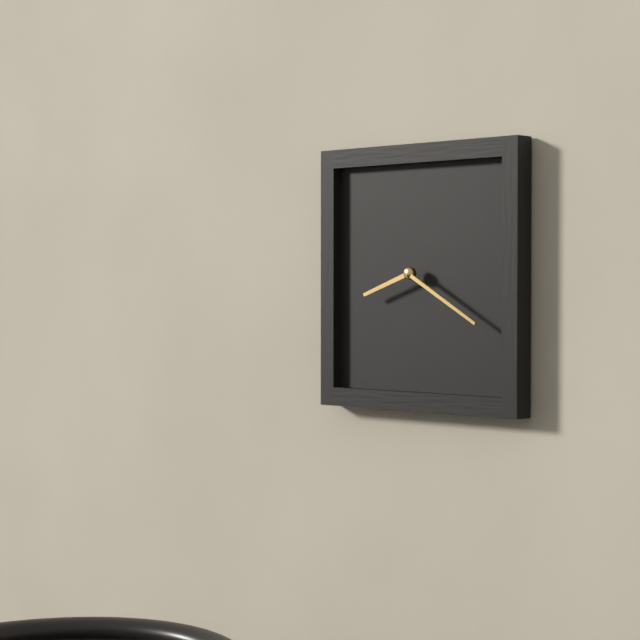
8:20
